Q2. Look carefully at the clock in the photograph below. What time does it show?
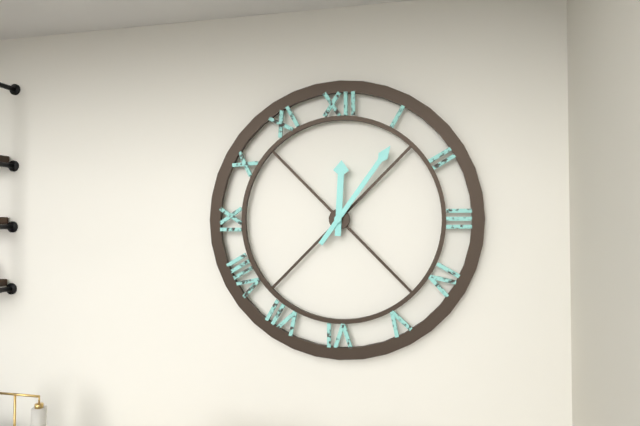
12:06
